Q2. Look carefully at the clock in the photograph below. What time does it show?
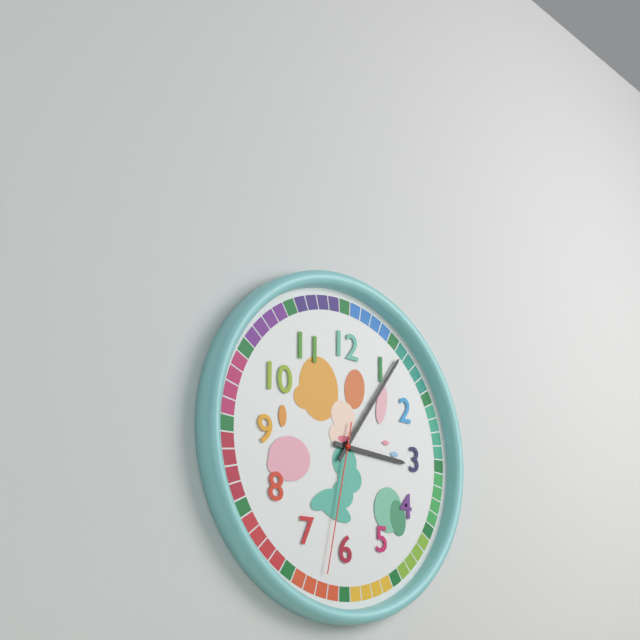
3:06:32
